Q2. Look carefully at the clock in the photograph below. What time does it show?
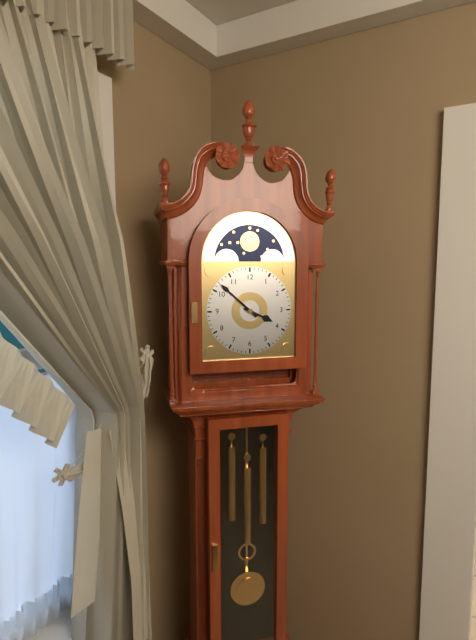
3:52
